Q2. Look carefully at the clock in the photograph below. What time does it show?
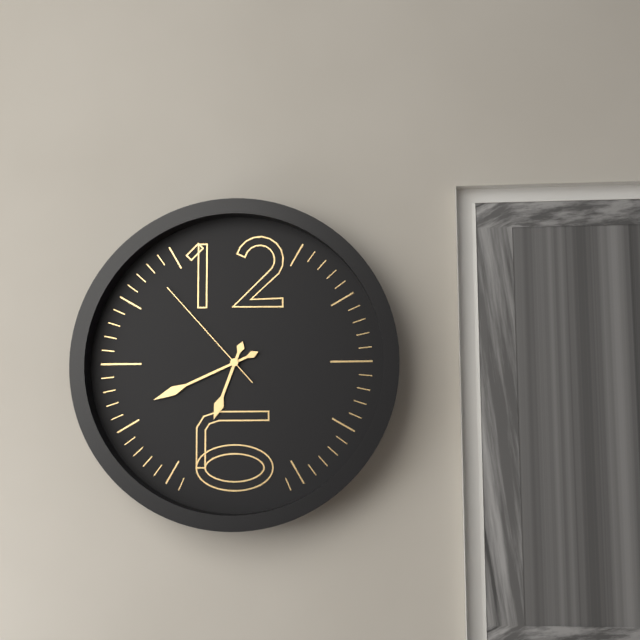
6:41:53
